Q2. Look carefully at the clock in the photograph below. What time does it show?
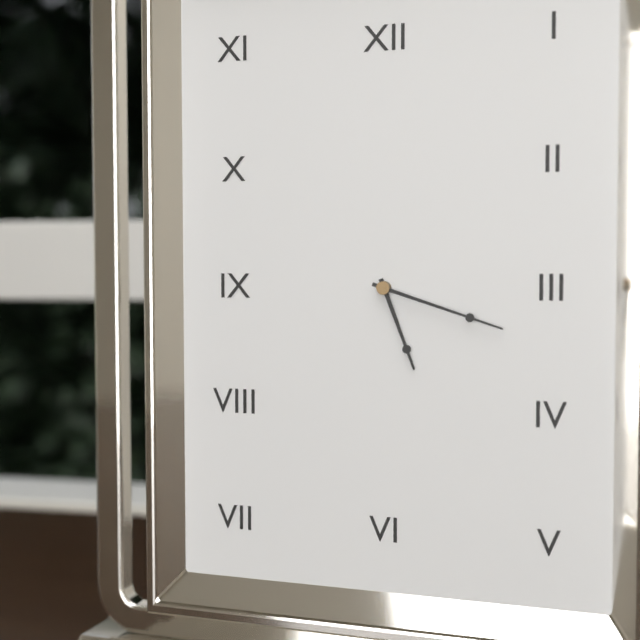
5:18
